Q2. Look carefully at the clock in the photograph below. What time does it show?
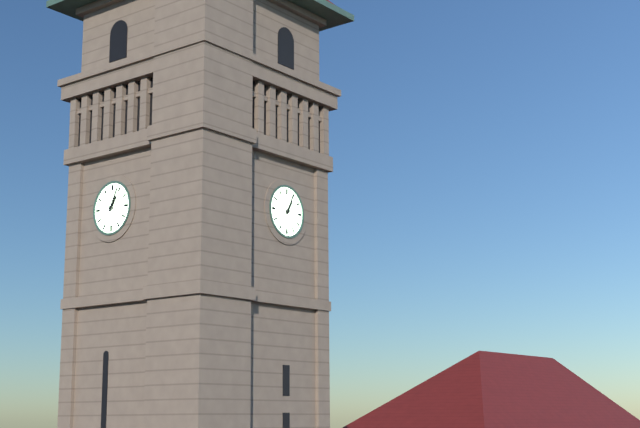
1:04
